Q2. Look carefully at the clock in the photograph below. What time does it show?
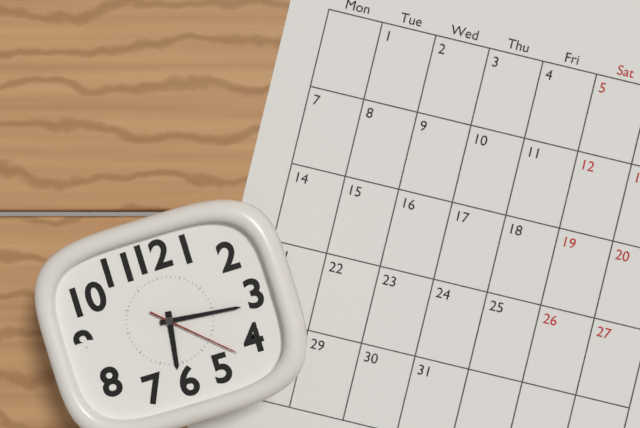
6:16:22
